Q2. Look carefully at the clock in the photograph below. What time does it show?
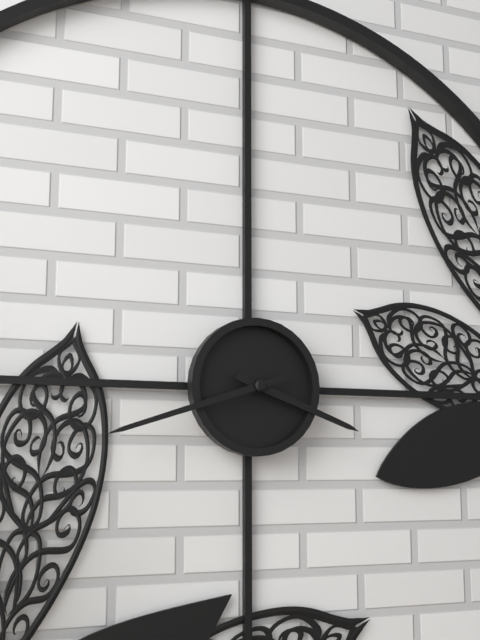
3:42
